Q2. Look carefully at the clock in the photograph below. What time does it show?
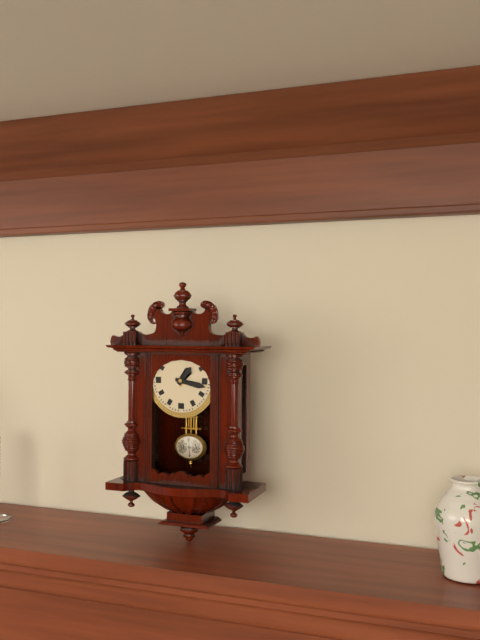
1:17
